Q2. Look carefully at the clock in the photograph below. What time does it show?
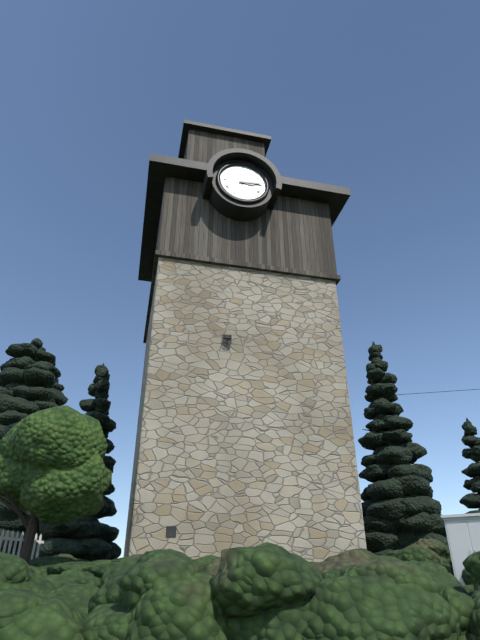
3:14
